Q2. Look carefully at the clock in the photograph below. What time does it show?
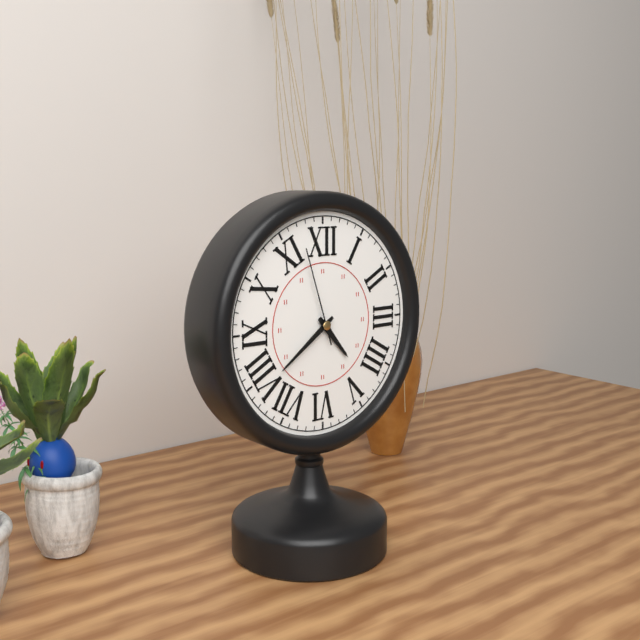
4:39:57
